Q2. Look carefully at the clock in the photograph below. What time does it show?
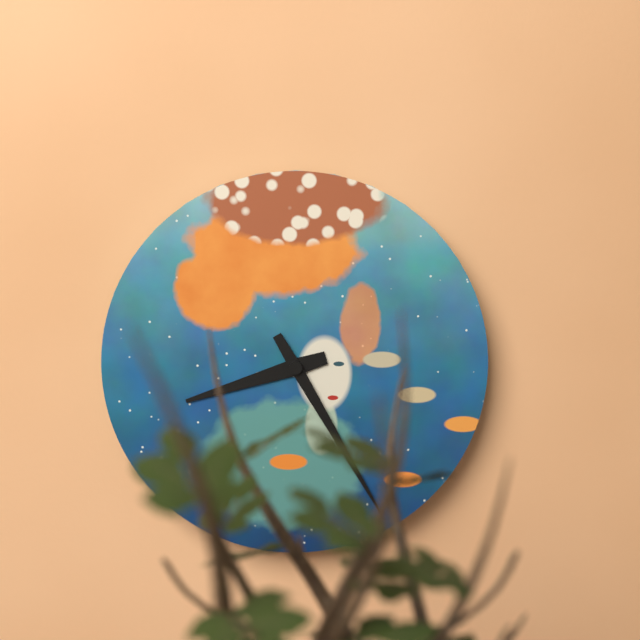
8:25
